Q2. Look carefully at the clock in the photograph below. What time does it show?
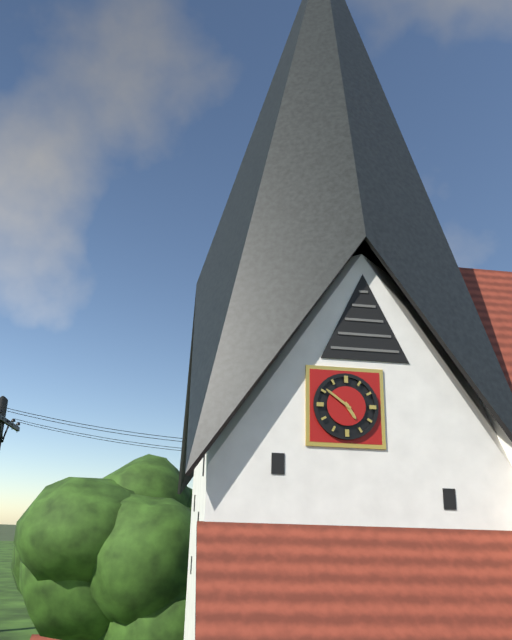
4:51
